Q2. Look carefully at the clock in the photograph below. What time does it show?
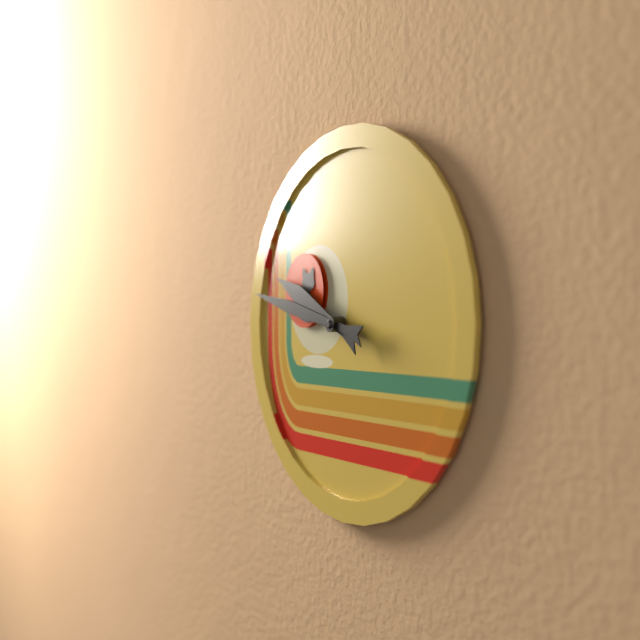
9:47
